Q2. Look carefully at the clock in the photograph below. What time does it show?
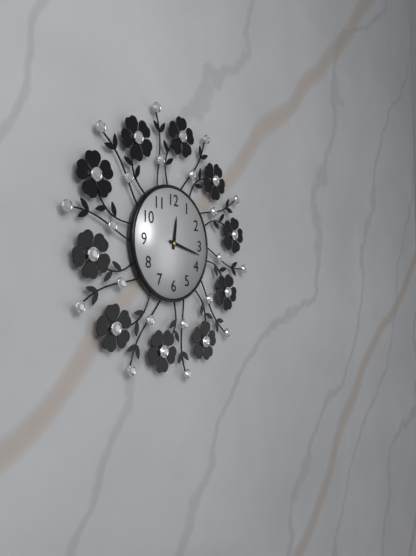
12:17
